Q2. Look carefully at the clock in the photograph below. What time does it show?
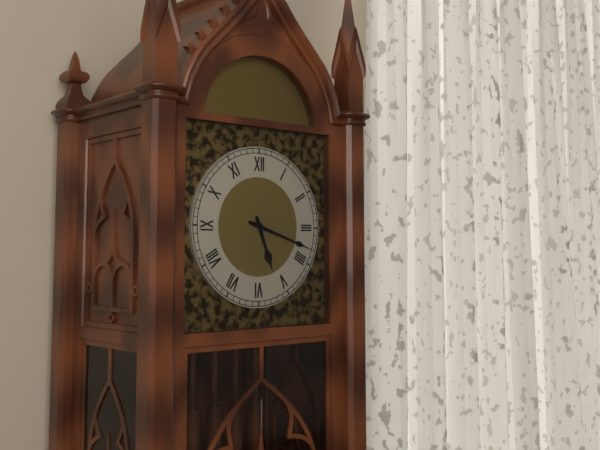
5:18
